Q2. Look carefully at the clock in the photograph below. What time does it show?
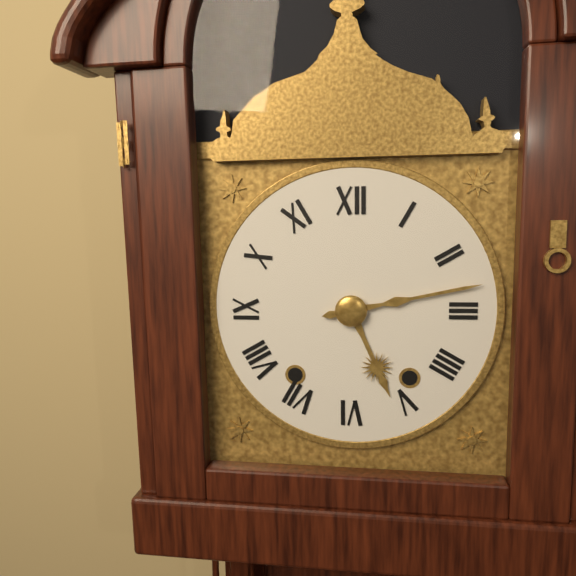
5:13
